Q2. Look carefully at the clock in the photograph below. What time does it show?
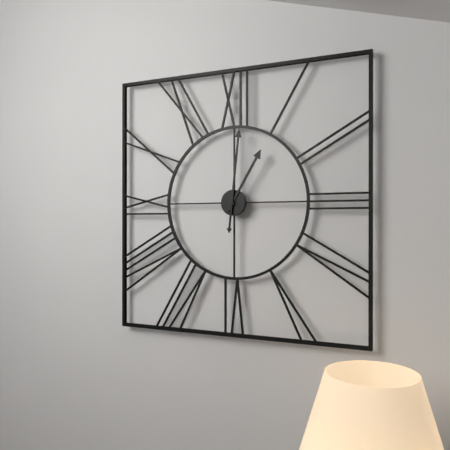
1:01
